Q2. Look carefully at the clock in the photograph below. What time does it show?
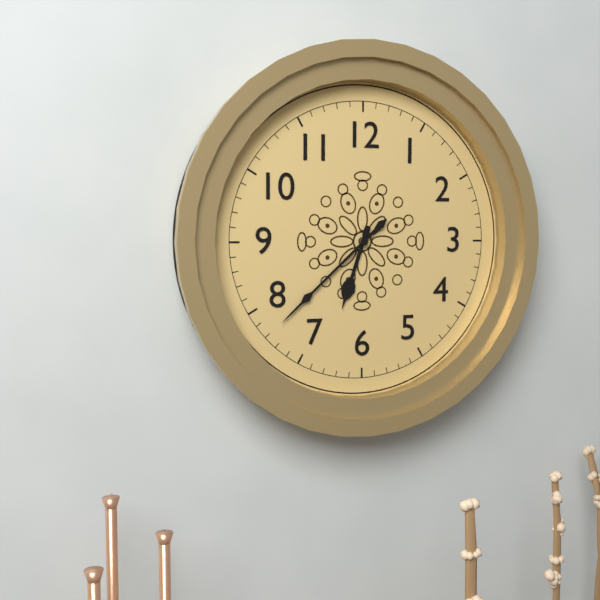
6:38
